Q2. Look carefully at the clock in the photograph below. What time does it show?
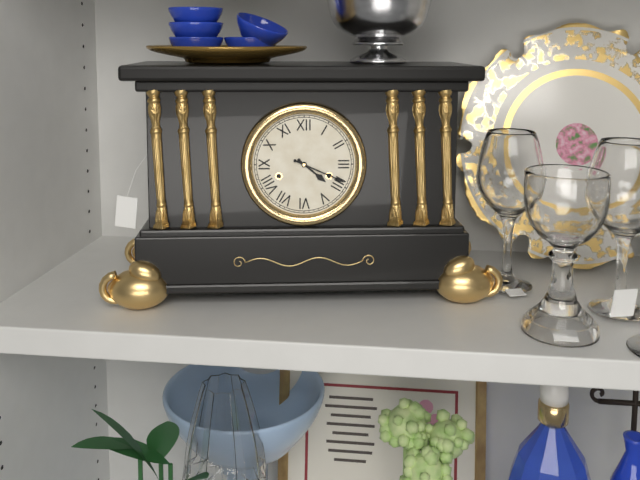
4:19
